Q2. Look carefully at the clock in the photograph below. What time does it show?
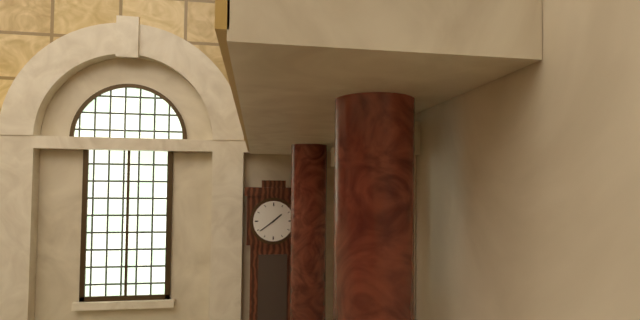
1:39
